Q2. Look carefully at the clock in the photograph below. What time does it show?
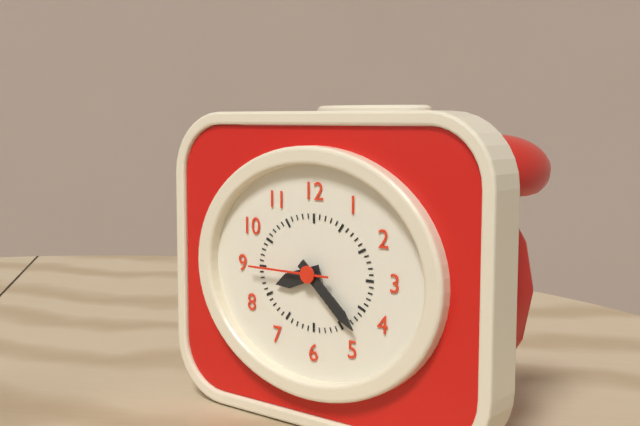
8:22:45
